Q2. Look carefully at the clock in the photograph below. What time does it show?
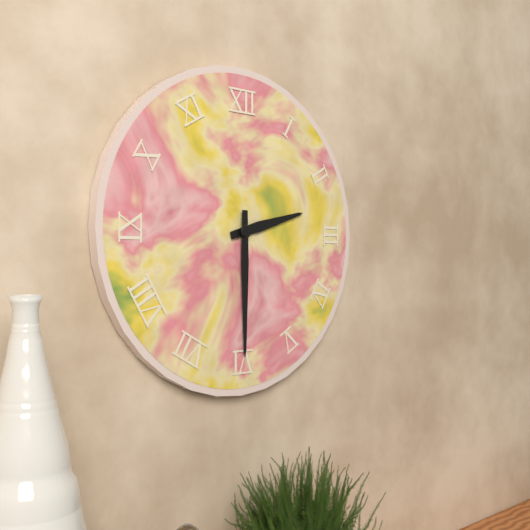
2:30
